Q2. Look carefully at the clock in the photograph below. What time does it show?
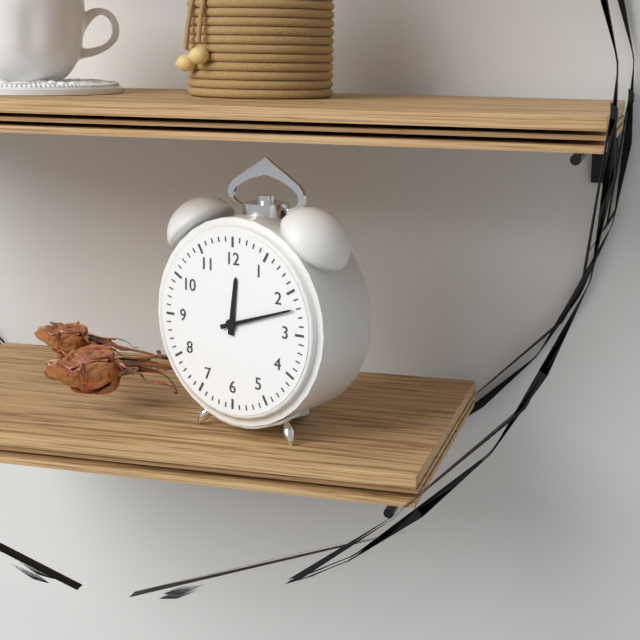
12:12
